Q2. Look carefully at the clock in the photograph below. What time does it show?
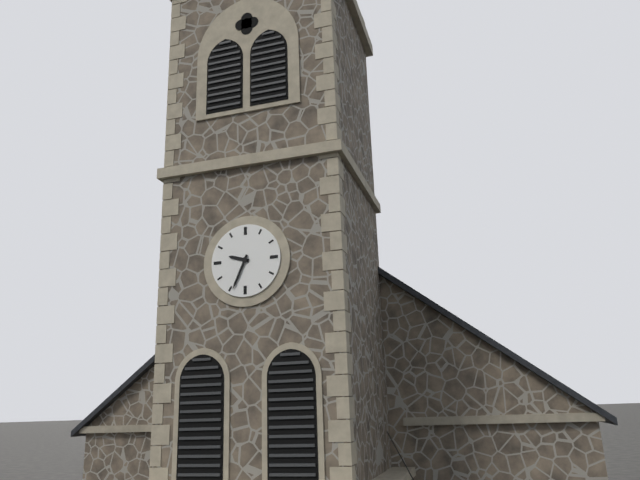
9:34
